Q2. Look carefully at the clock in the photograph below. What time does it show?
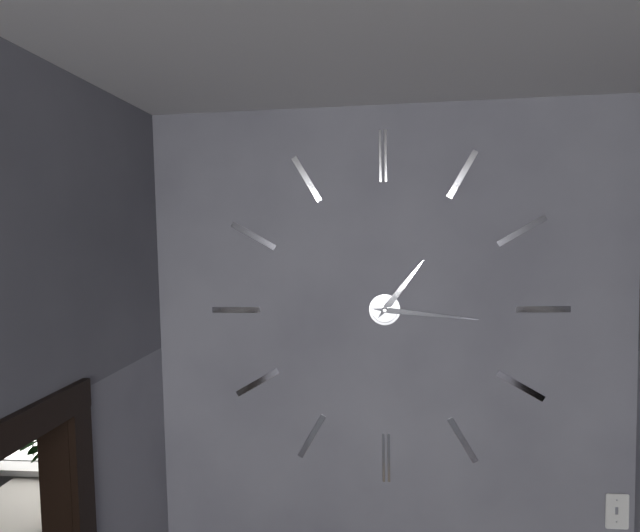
1:16
